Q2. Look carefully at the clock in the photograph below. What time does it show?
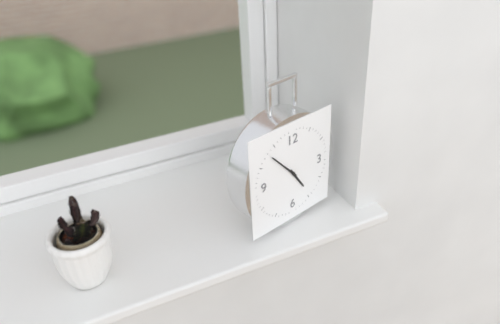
4:53
